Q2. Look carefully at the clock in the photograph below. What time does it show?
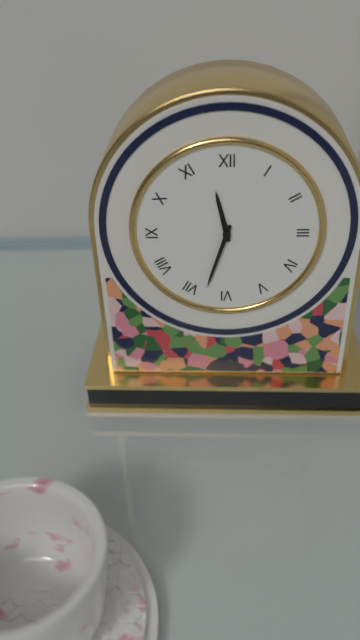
11:33
